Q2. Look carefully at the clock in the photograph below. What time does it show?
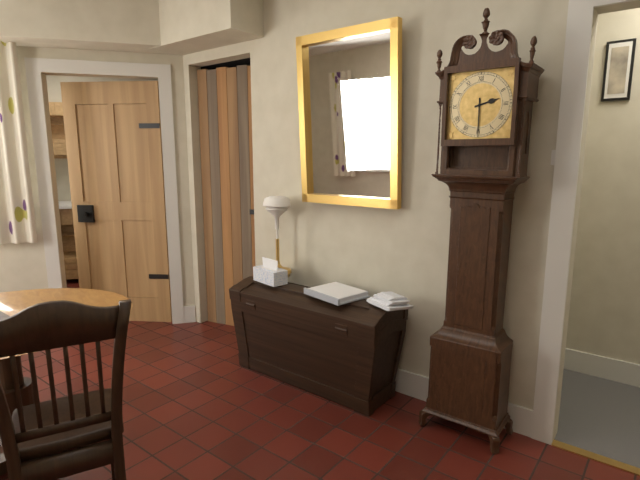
2:30
